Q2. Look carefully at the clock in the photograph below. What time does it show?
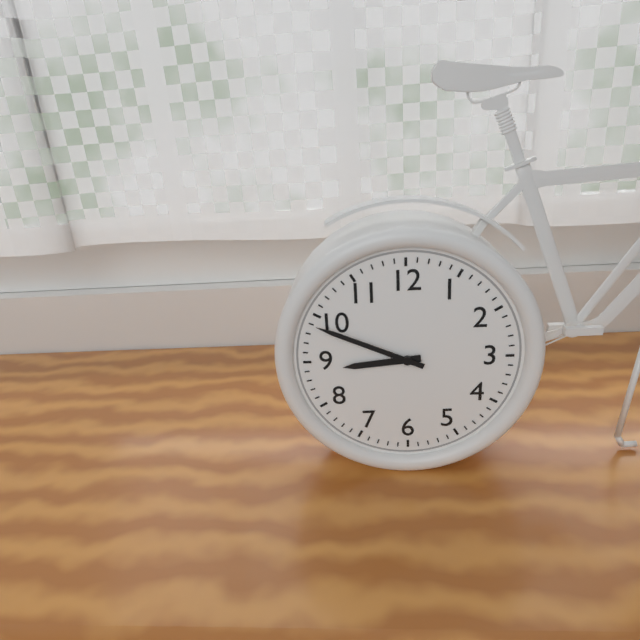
8:49
